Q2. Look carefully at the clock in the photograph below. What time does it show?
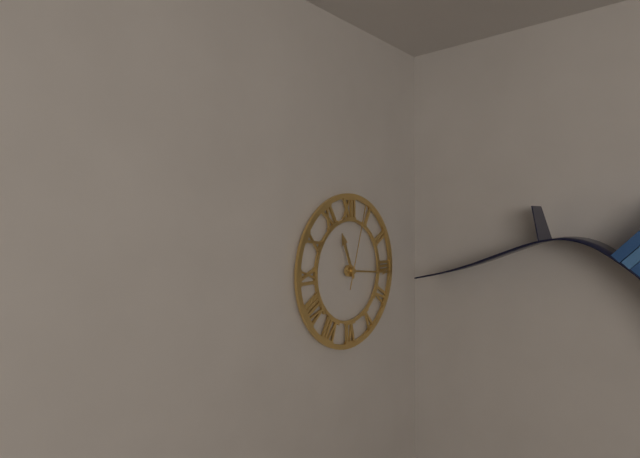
11:16:03
